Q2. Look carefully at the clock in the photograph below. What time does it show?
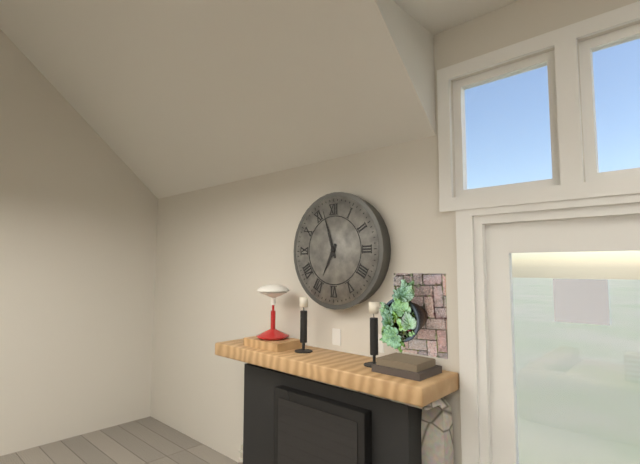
6:57
